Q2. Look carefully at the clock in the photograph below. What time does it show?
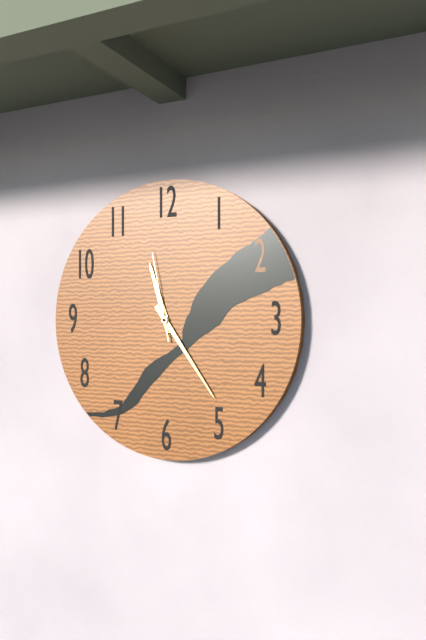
11:24:58
